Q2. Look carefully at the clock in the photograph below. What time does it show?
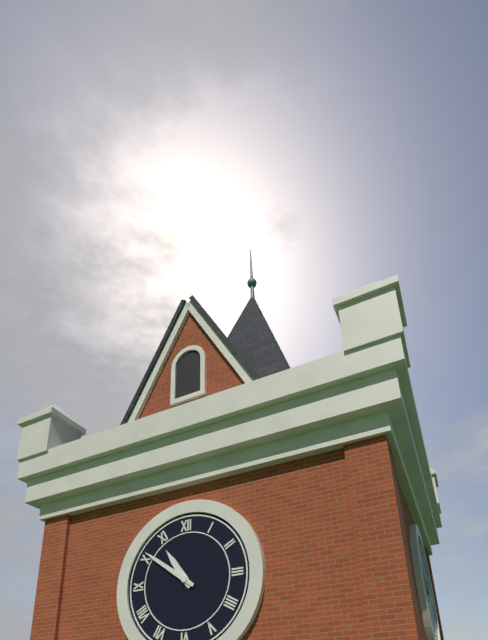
10:51
